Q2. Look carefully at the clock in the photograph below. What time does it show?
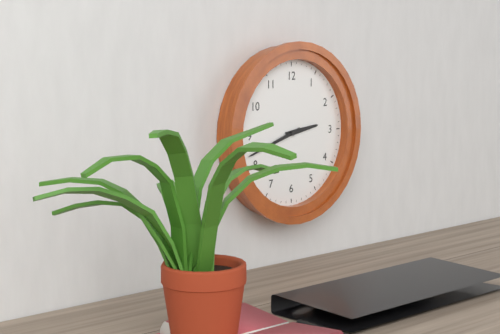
2:42
